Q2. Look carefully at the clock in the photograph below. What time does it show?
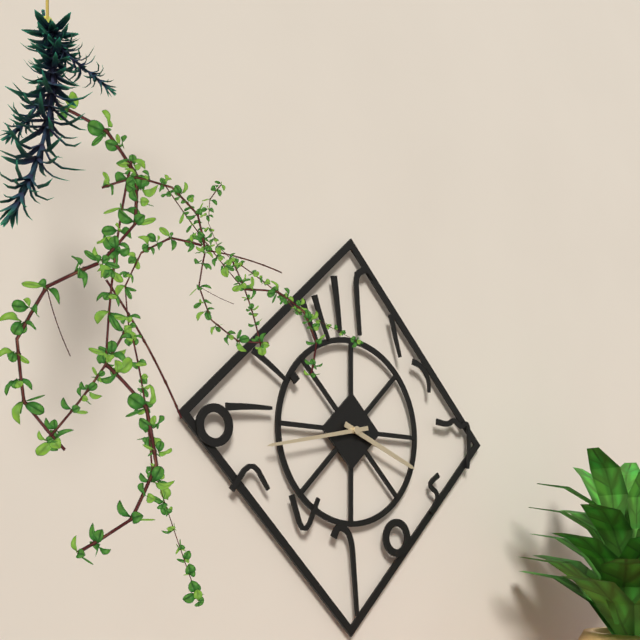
3:43
